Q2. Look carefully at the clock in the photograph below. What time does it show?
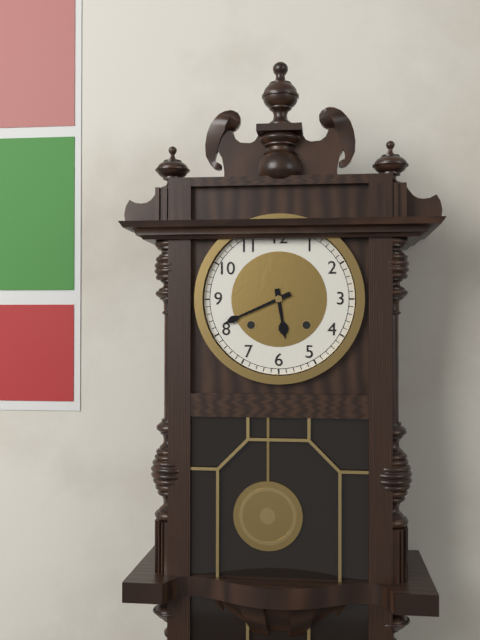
5:41
